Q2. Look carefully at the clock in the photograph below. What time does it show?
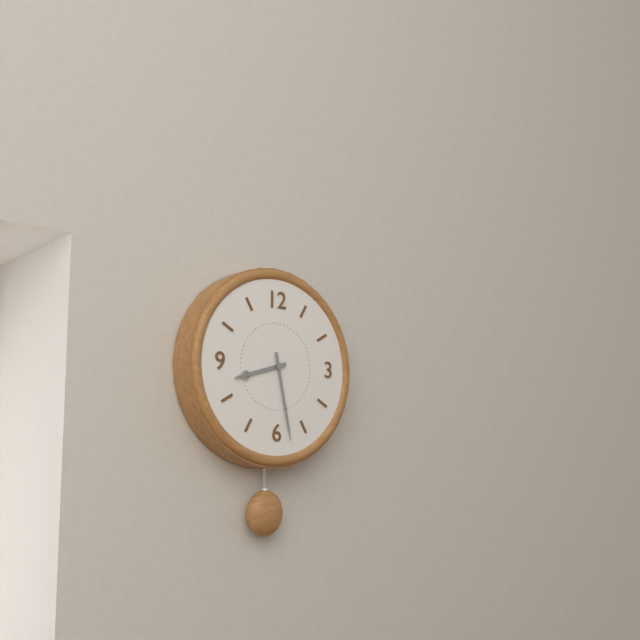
8:28
